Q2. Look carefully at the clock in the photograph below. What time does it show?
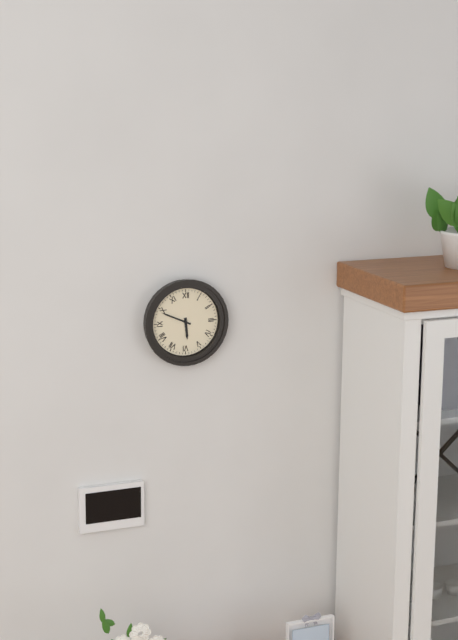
5:49
